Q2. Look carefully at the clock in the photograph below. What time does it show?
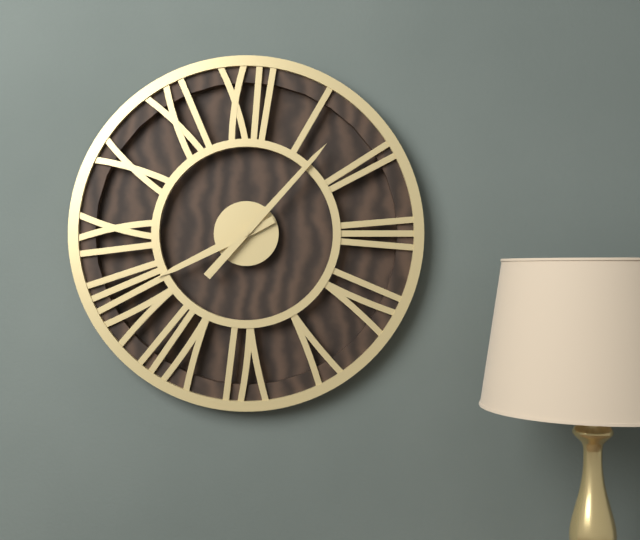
8:07
